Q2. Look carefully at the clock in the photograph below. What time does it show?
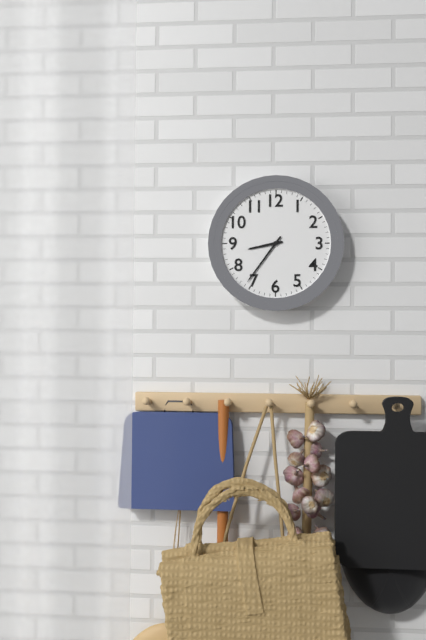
8:36
